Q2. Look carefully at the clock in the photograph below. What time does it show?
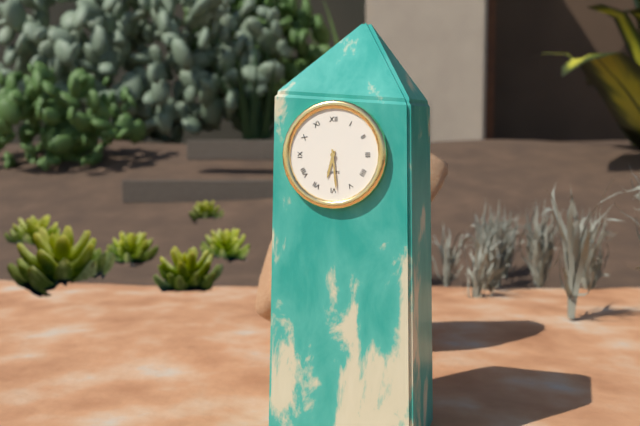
6:29
